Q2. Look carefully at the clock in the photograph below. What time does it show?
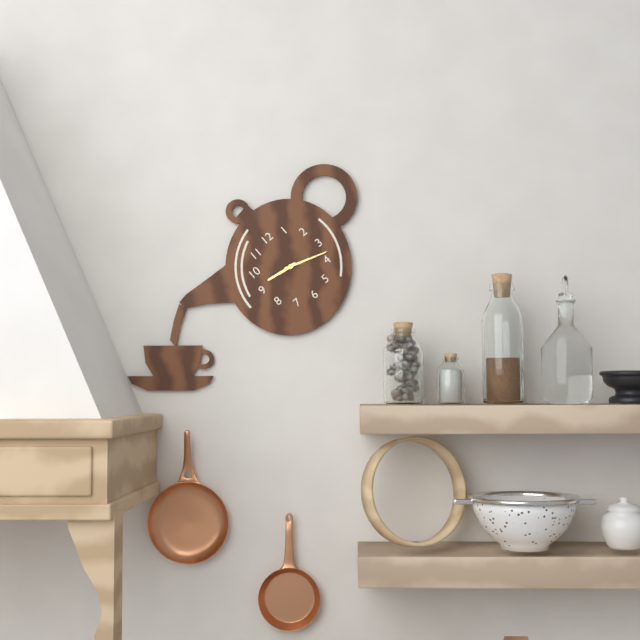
9:18
